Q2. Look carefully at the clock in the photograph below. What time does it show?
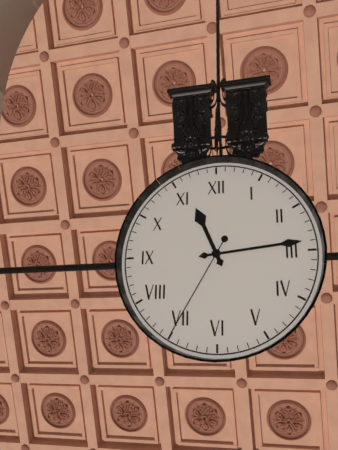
11:14:35
